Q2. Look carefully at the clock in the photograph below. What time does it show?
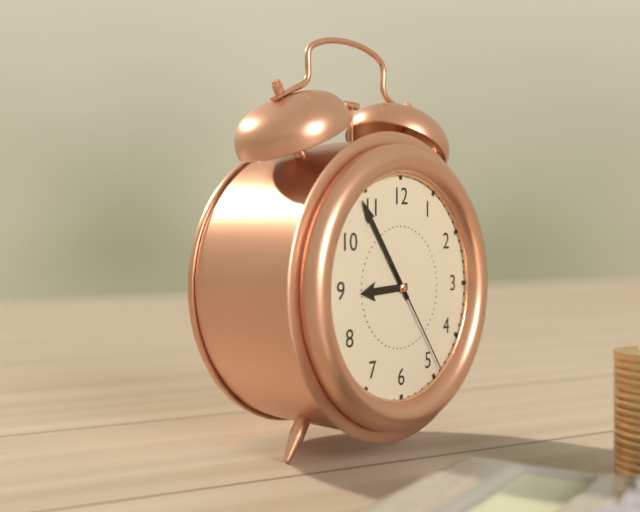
8:54:24
